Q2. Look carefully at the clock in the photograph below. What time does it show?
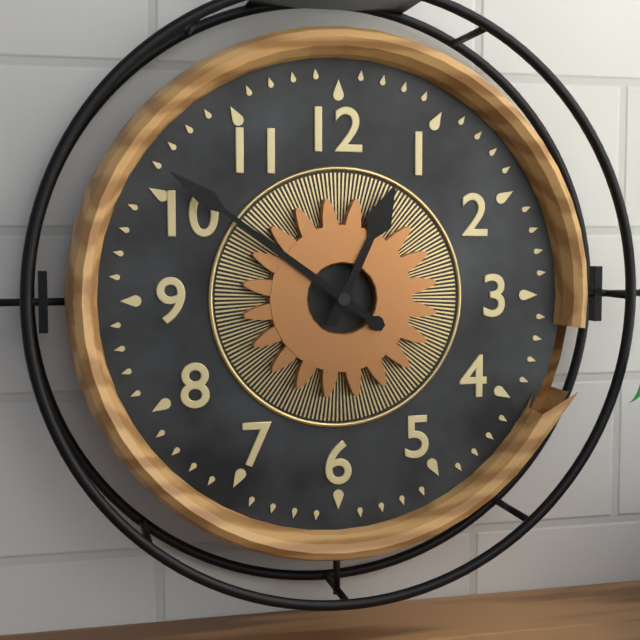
12:51
